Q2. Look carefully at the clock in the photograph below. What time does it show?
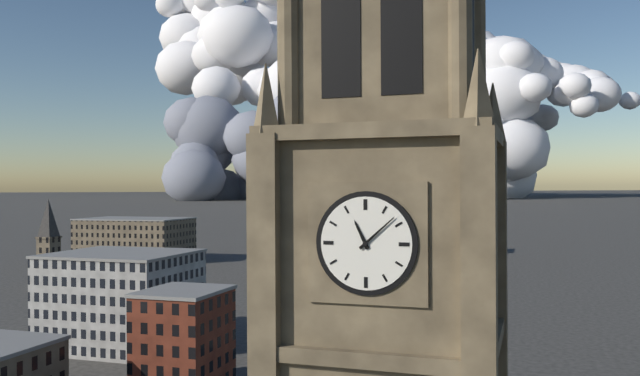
11:08
